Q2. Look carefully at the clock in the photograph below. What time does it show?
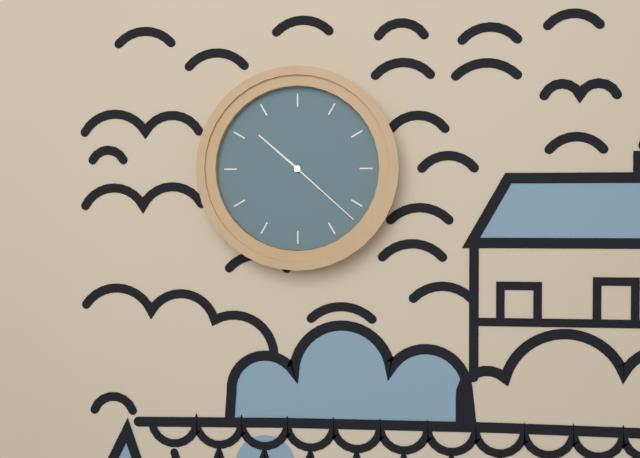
10:22
